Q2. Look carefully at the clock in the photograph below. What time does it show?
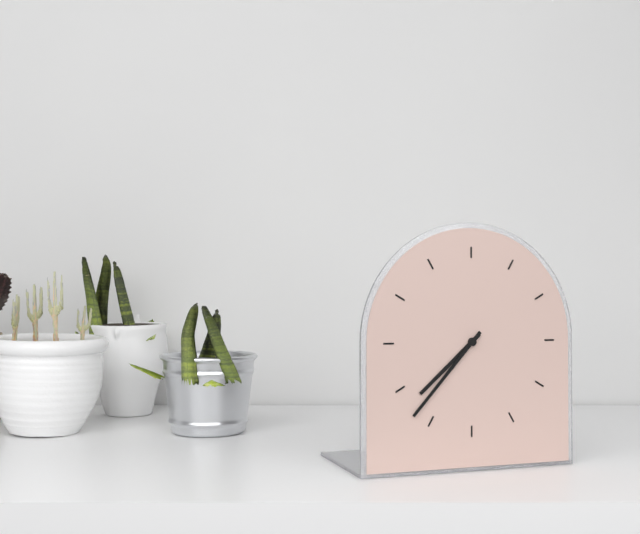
7:37
